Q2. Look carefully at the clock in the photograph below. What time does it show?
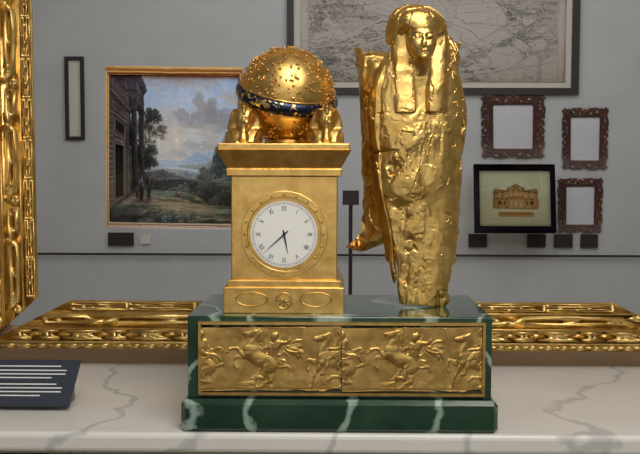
5:38
